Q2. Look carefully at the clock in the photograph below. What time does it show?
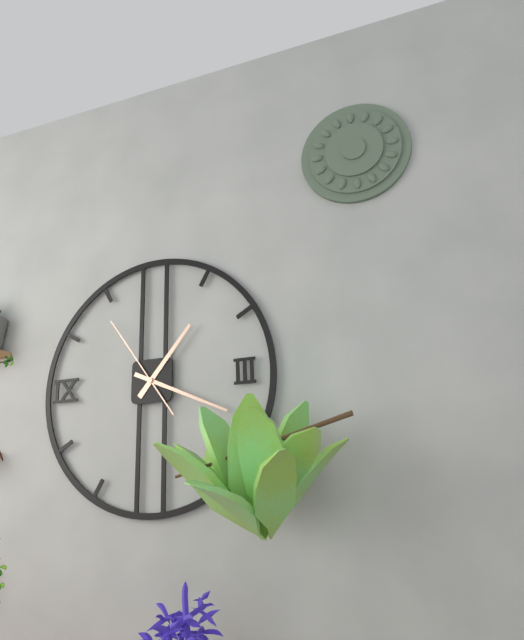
1:19:54
